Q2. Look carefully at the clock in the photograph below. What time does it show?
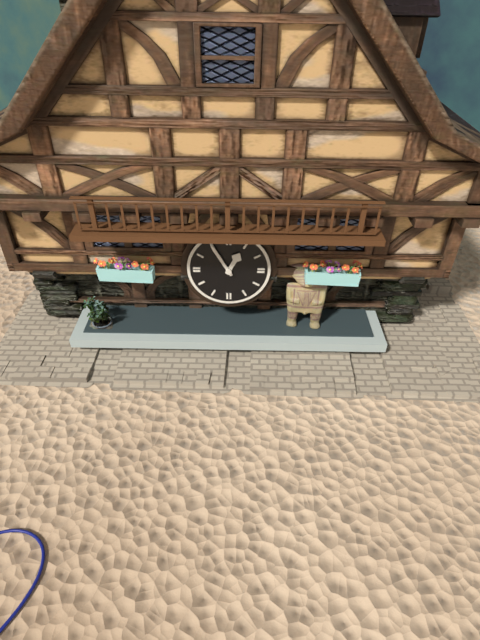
12:55
